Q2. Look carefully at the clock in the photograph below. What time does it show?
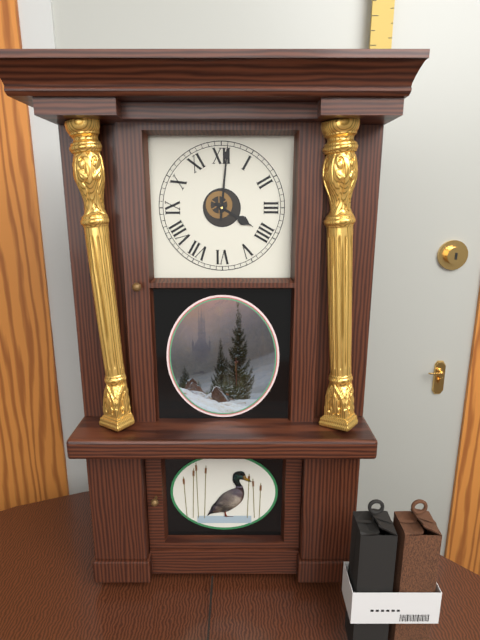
4:01
